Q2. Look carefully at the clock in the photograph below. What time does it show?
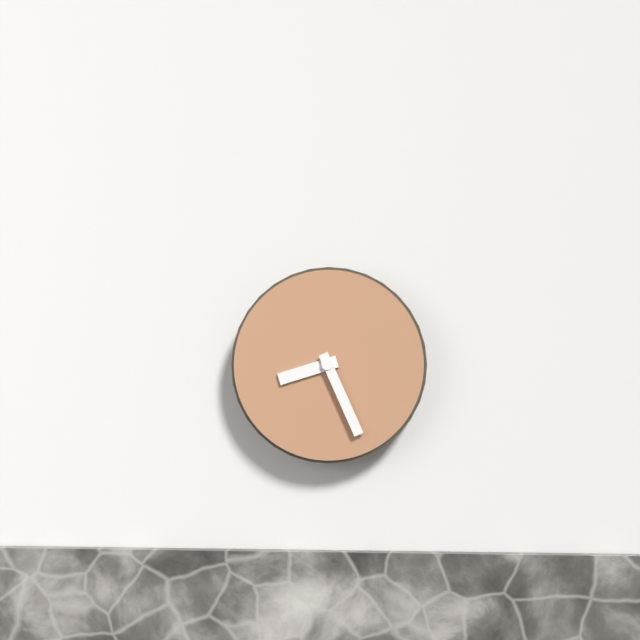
8:26
